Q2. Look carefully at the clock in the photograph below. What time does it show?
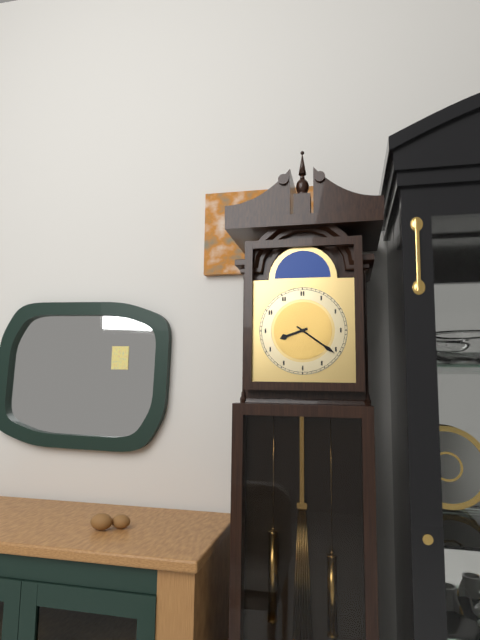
8:21
